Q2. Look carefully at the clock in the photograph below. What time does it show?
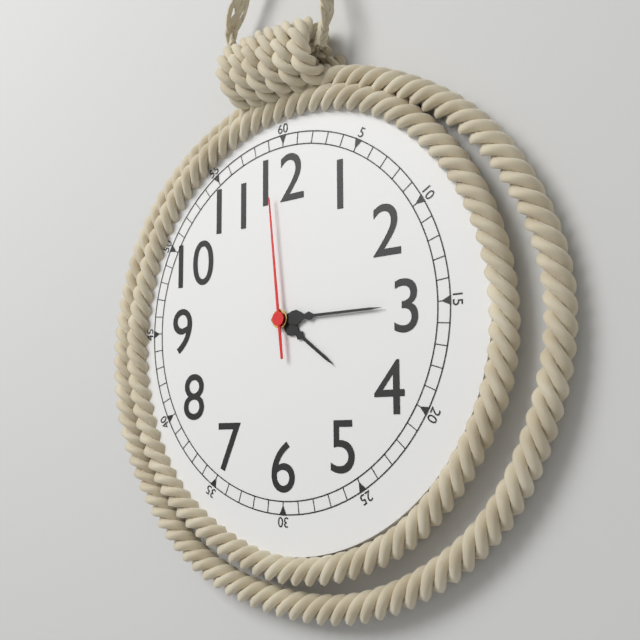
4:15:59
